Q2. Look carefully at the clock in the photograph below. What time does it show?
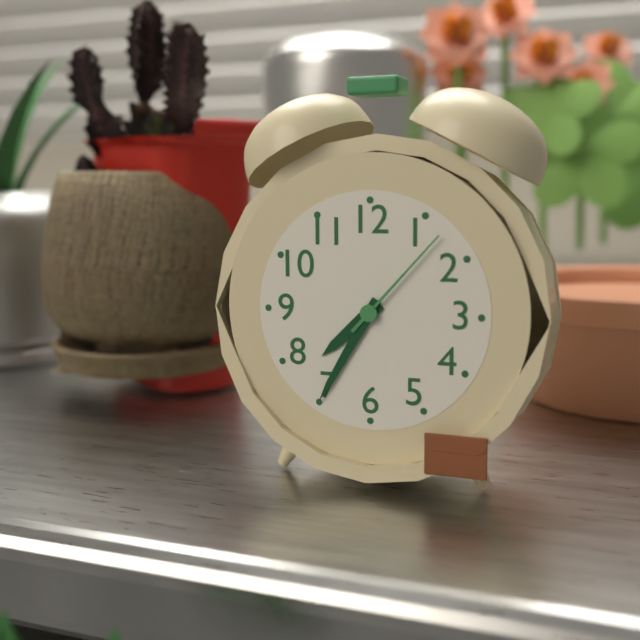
7:35:07
